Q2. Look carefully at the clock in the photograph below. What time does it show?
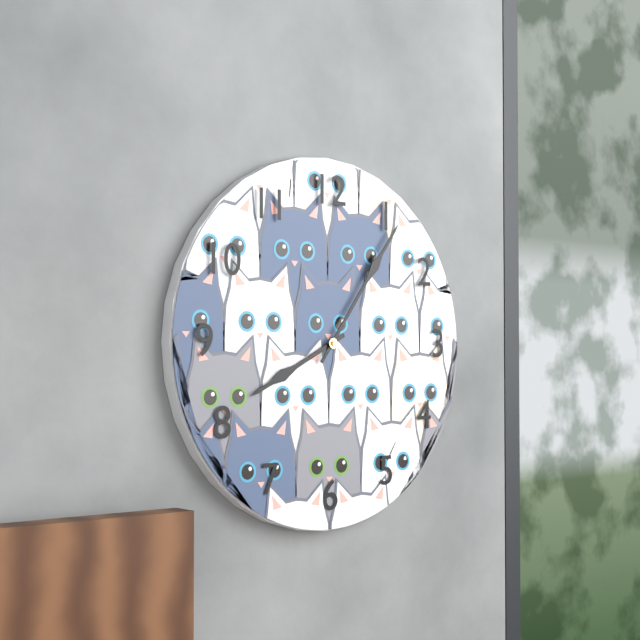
8:06
